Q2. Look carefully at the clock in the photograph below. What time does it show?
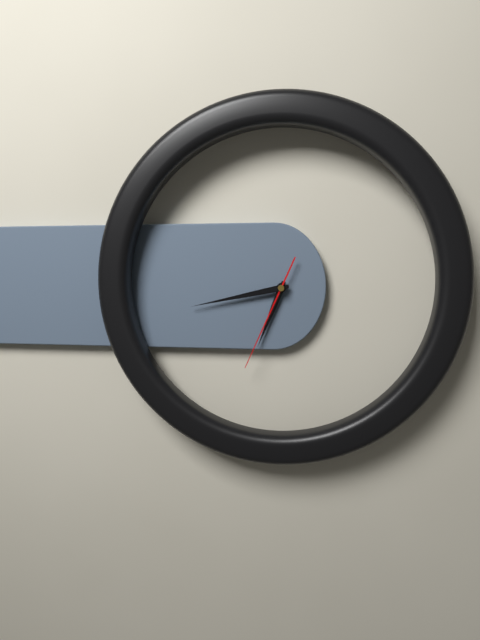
6:43:34
